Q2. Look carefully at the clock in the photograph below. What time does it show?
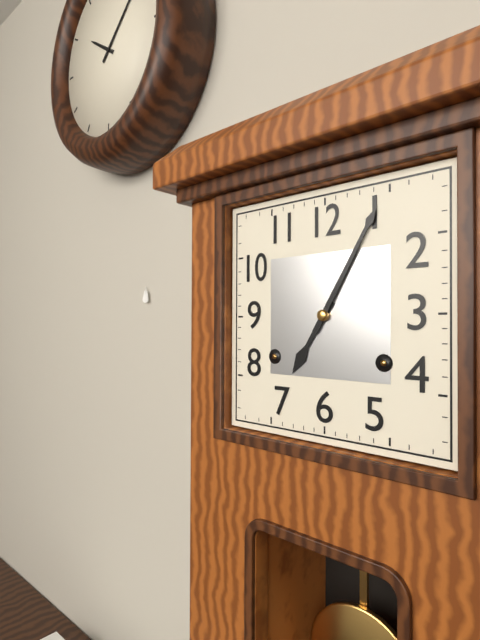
7:05
